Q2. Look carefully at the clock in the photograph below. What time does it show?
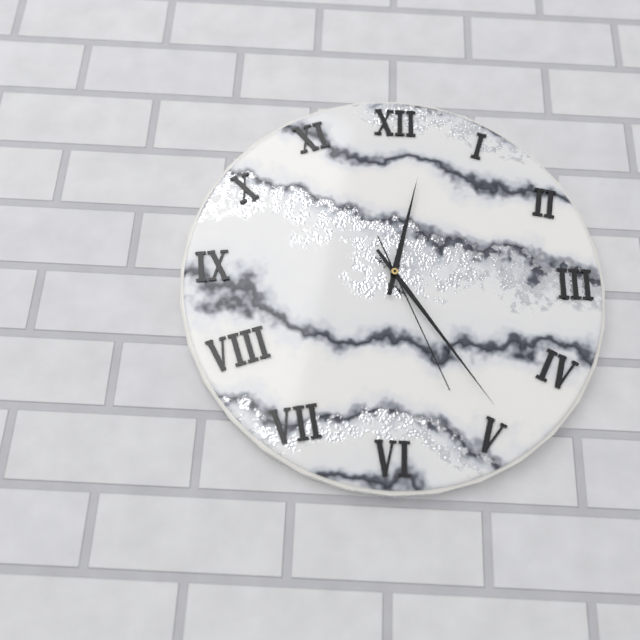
12:24:26
